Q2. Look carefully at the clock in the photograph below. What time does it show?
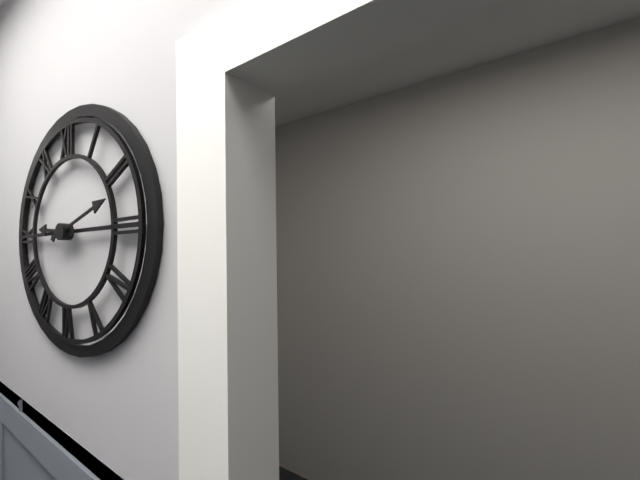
9:12
